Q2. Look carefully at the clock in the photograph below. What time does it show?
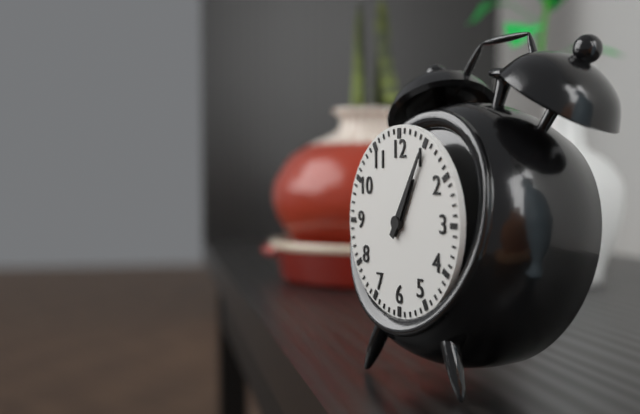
1:05
